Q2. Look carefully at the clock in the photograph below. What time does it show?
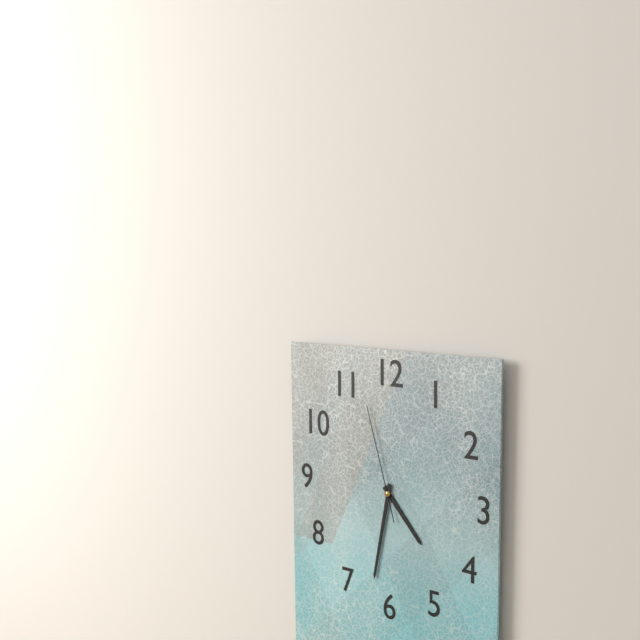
4:32:57
